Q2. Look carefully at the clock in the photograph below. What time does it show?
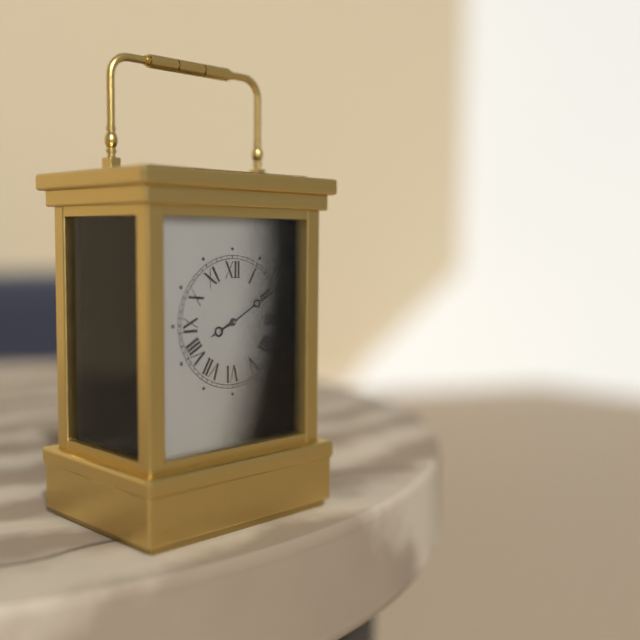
8:10
